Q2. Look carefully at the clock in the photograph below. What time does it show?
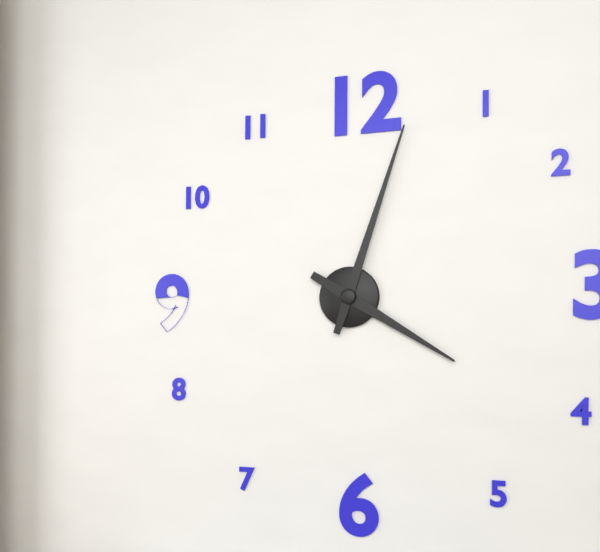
4:03
